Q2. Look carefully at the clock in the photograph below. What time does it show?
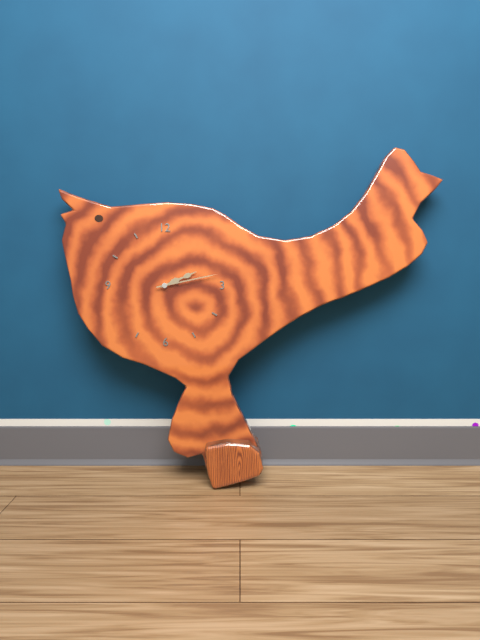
2:13
